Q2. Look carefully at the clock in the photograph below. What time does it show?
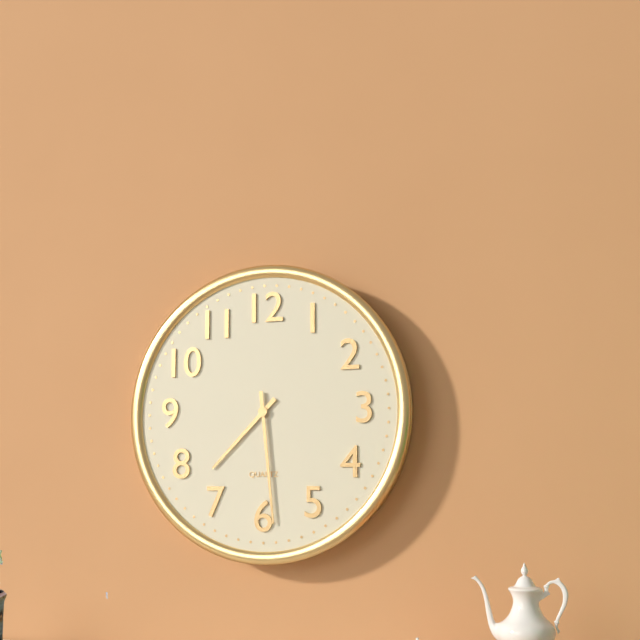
7:29
